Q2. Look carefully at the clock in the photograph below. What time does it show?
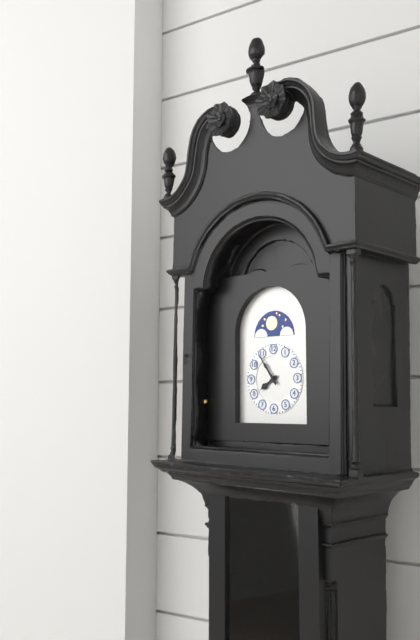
7:54
